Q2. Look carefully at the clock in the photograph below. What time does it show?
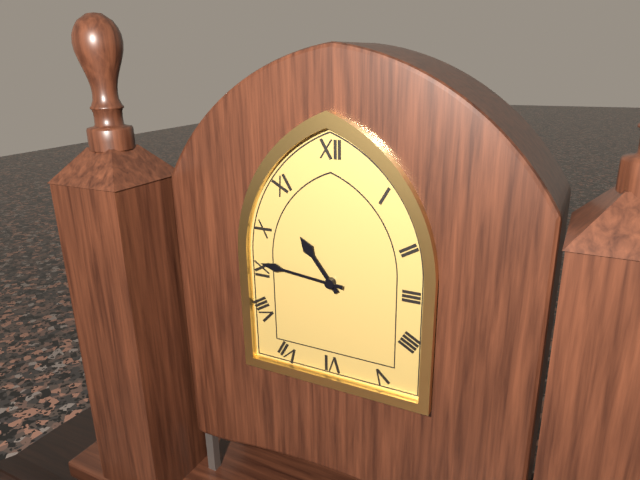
10:46
